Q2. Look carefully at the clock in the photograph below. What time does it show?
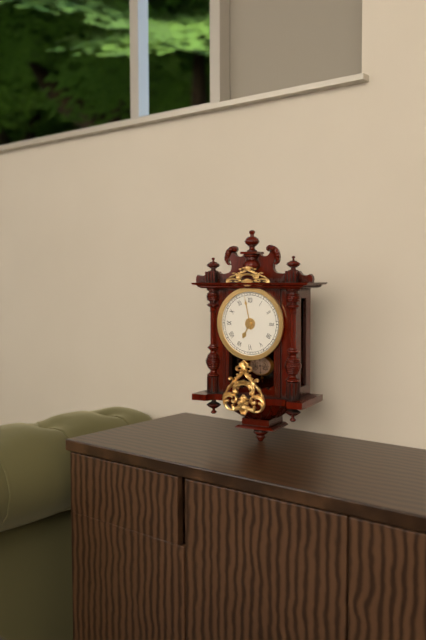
6:58
